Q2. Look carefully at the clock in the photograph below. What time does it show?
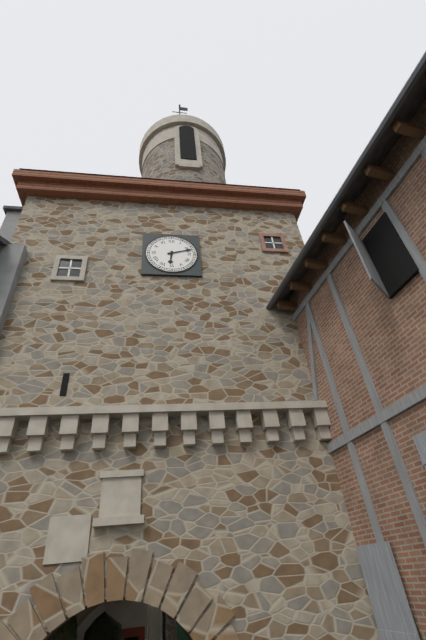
6:12
